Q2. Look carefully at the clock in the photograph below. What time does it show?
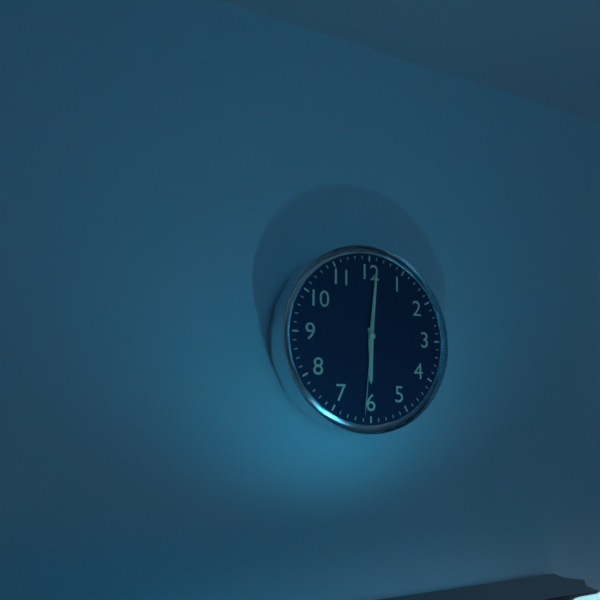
6:01:31
